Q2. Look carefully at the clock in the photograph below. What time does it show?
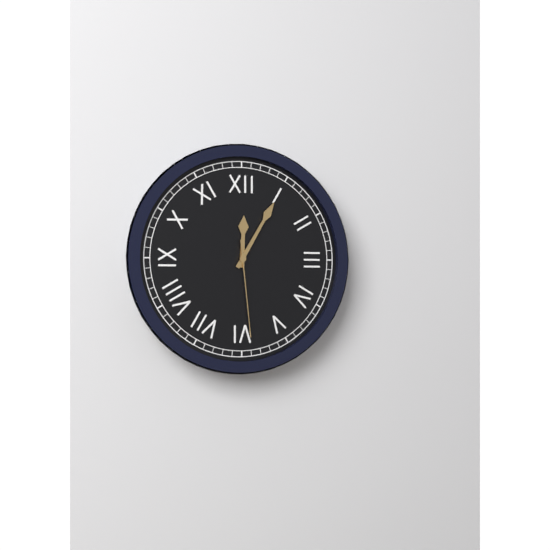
12:05:29
